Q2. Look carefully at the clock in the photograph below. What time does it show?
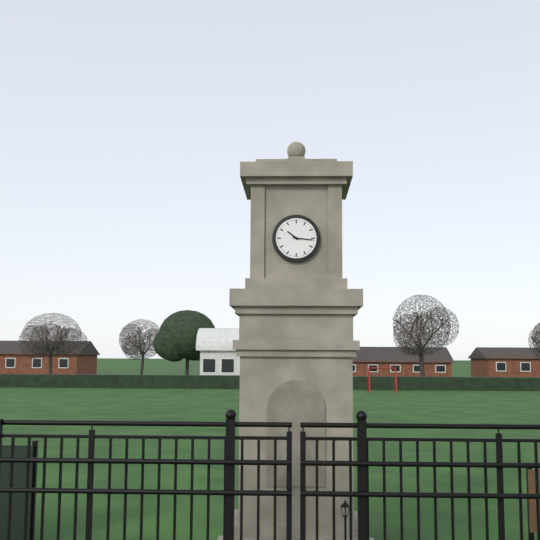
10:16
